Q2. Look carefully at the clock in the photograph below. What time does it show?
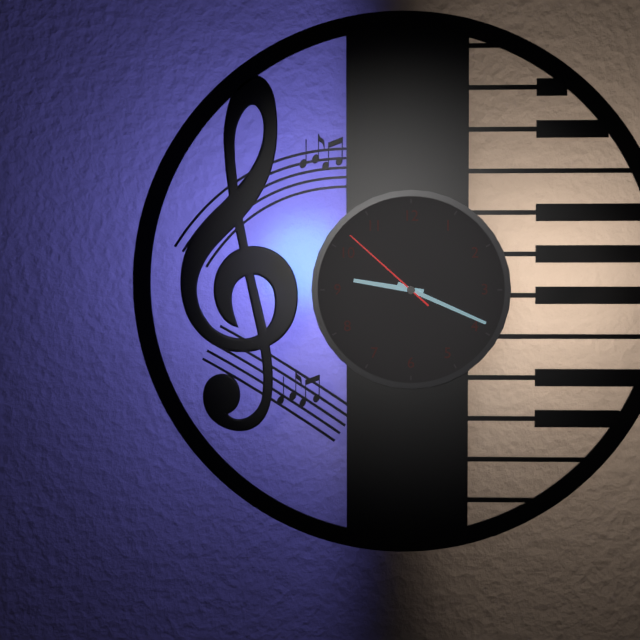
9:19:52
